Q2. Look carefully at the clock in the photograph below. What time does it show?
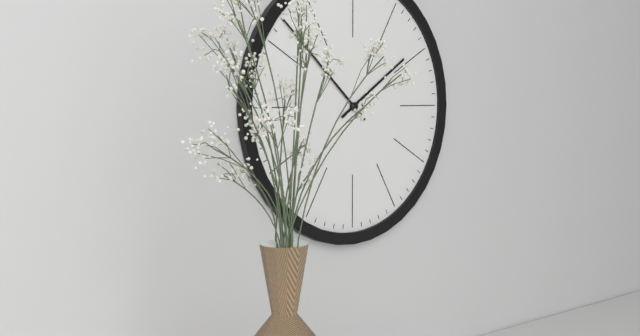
1:52
